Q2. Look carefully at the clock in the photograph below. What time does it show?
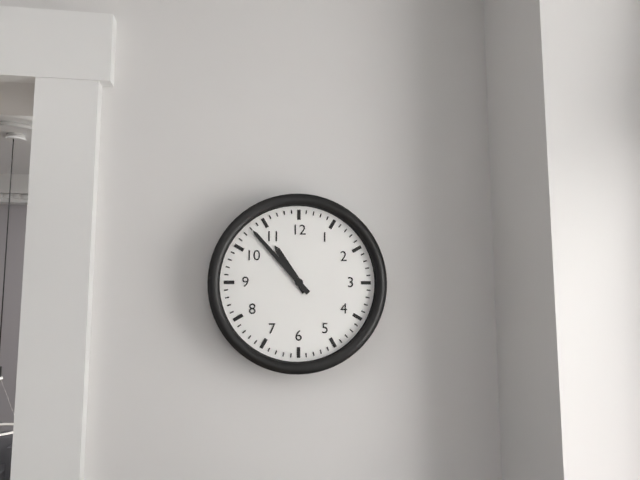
10:53
